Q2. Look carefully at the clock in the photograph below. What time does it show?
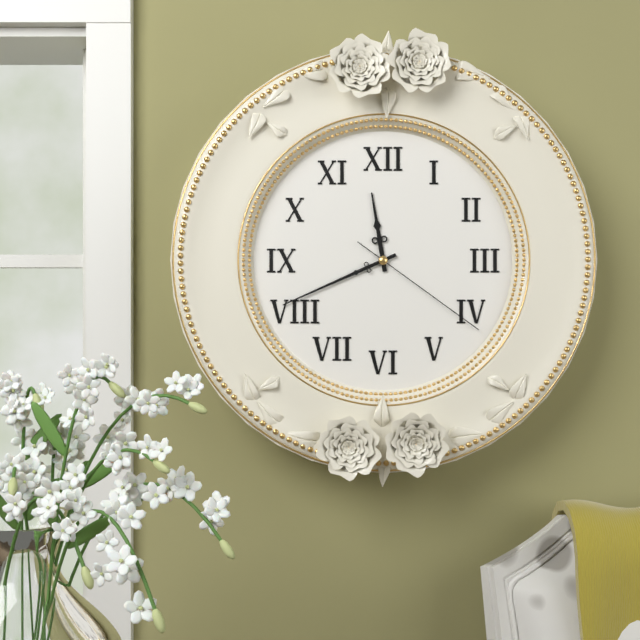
11:41:21
